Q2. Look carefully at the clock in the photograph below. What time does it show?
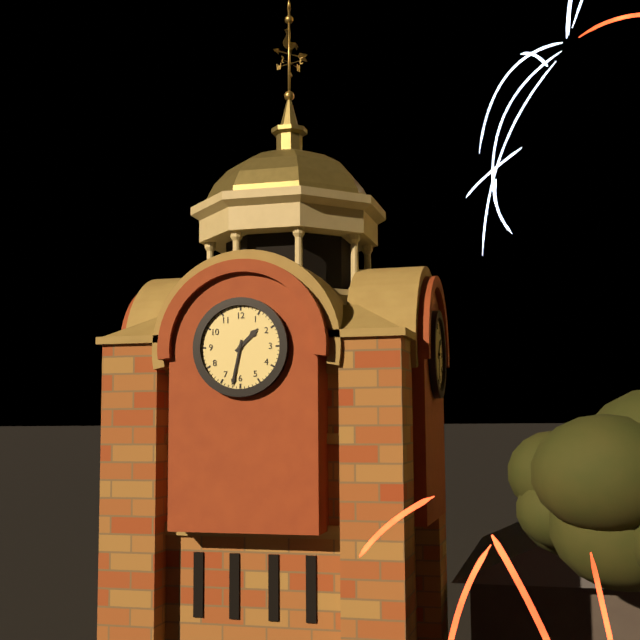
1:32
